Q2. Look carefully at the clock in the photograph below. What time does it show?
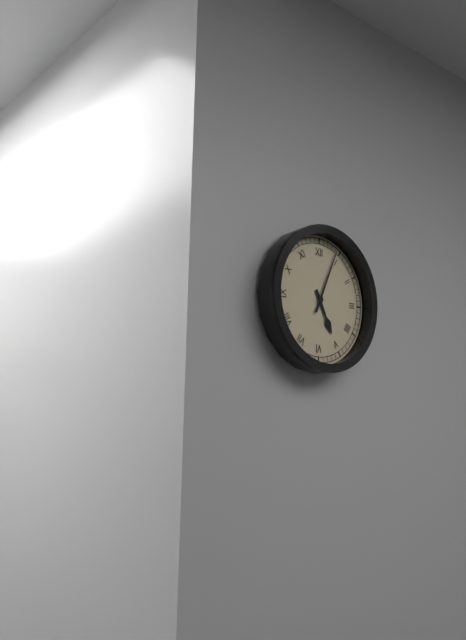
5:04
